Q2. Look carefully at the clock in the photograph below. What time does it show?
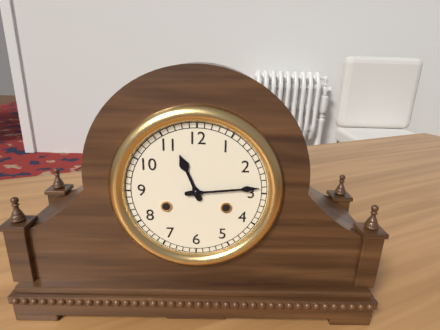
11:14
